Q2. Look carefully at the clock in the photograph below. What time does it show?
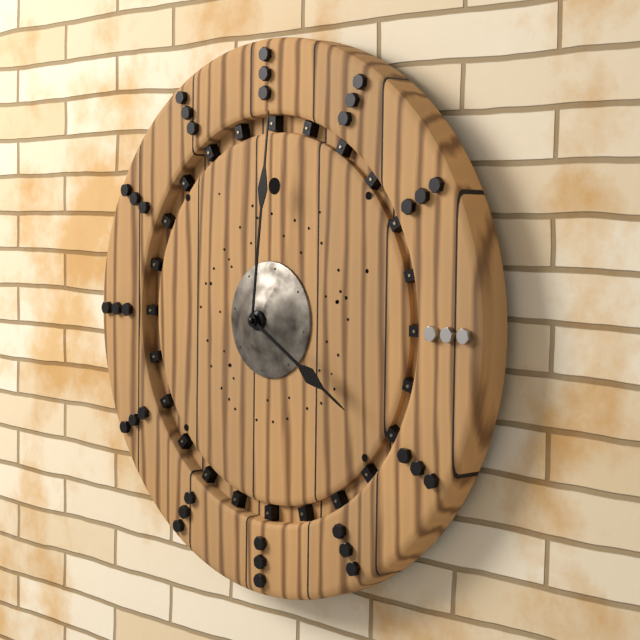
4:01
